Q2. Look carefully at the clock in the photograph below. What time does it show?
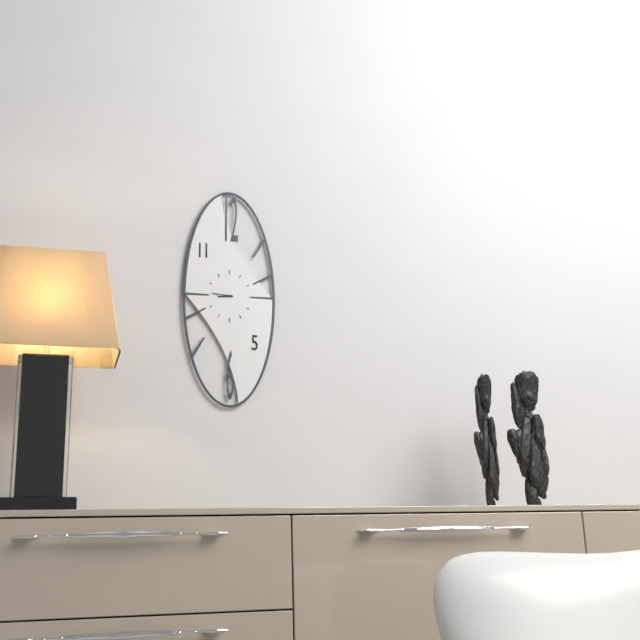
8:46
